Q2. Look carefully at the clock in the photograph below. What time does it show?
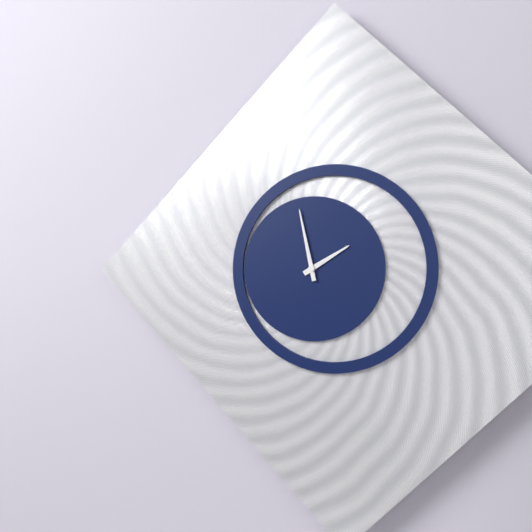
1:58
